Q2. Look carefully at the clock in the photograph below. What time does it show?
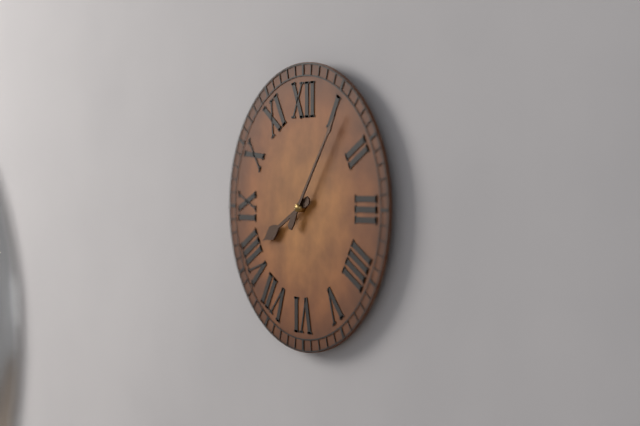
8:06
